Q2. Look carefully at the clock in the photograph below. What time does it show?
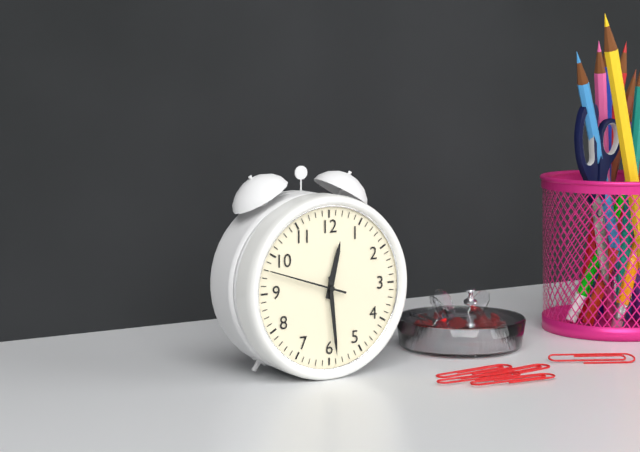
12:29:48
